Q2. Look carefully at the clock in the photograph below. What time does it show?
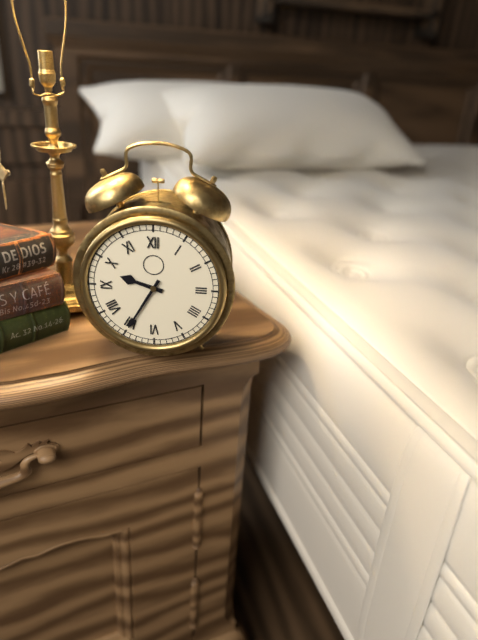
9:35
